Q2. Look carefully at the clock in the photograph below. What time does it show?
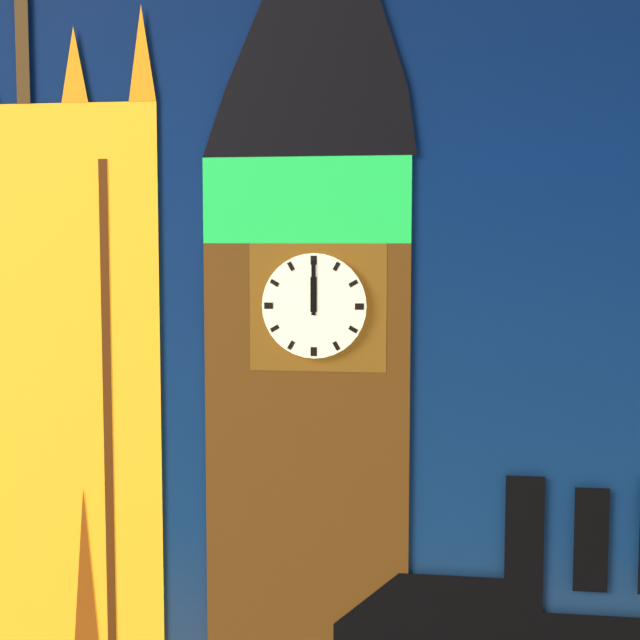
12:00
